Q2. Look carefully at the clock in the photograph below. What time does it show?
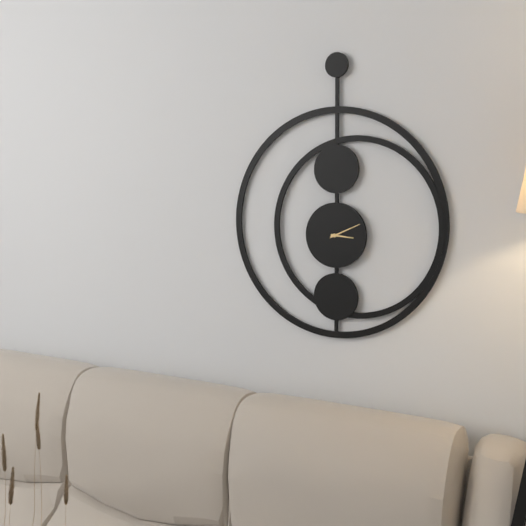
3:11
